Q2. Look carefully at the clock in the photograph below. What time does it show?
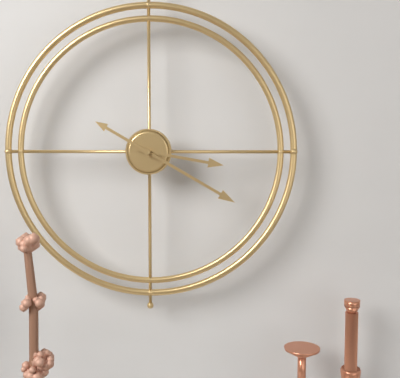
3:20
